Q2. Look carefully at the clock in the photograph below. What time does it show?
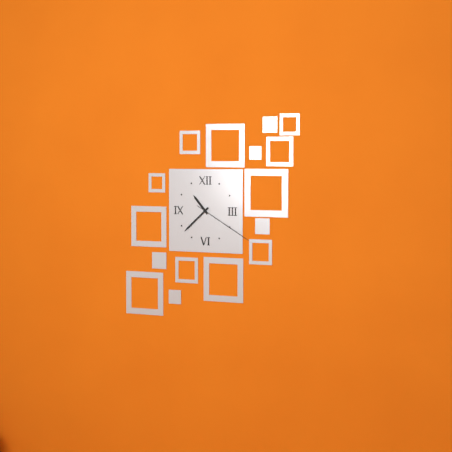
10:38:20
